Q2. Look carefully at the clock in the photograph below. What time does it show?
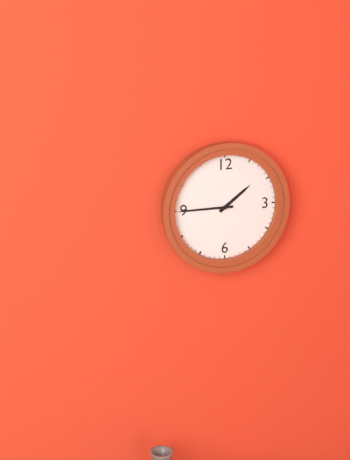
1:45
